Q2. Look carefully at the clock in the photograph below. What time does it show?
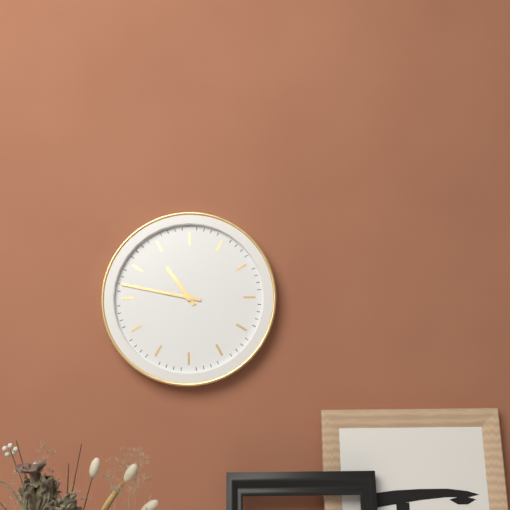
10:47
